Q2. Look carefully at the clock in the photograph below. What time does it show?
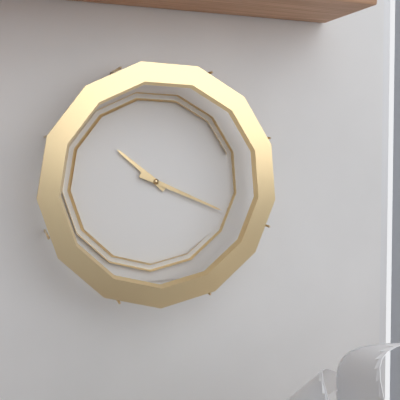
10:19
